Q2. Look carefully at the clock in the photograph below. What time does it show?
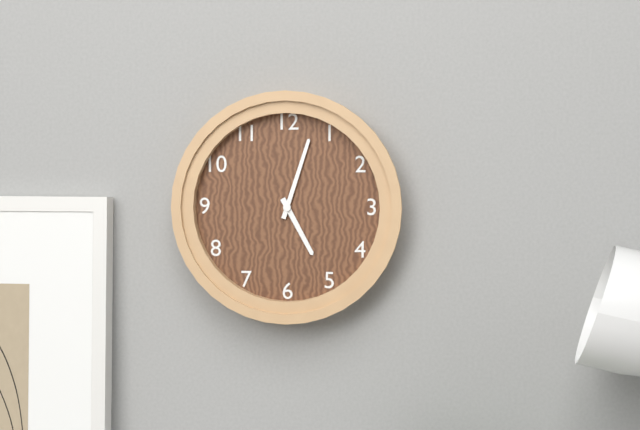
5:03
